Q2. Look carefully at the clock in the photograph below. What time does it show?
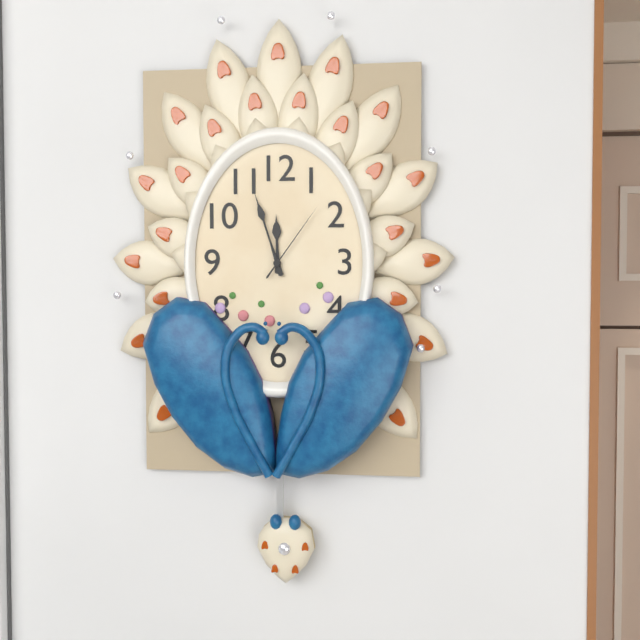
11:57:06
